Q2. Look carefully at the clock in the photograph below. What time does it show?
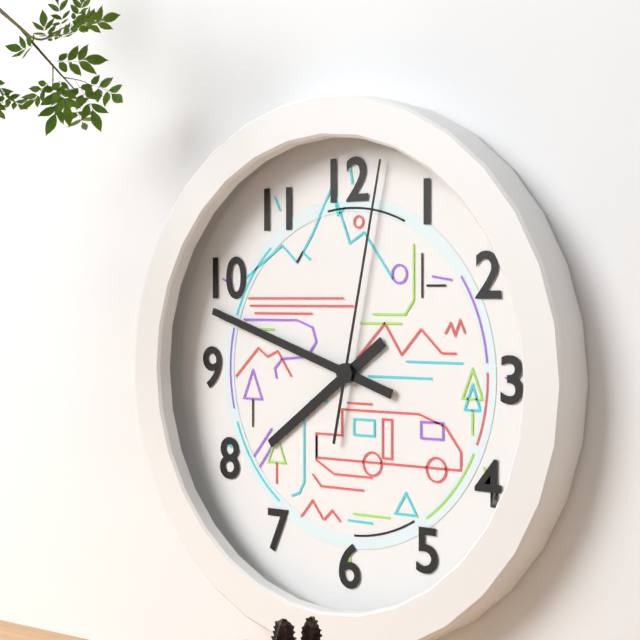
7:48:02
